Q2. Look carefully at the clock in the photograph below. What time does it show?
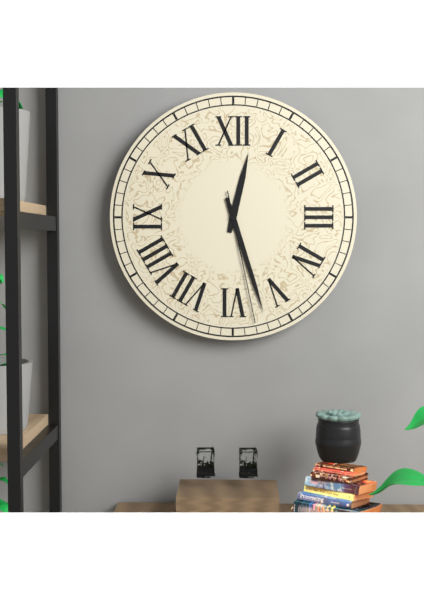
12:27:28
